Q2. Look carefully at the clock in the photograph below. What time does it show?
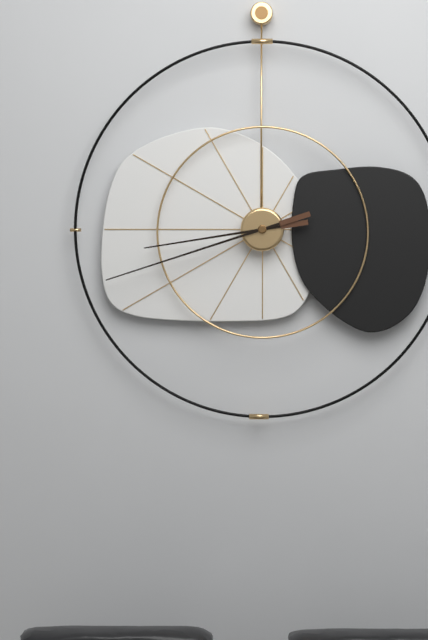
8:42
